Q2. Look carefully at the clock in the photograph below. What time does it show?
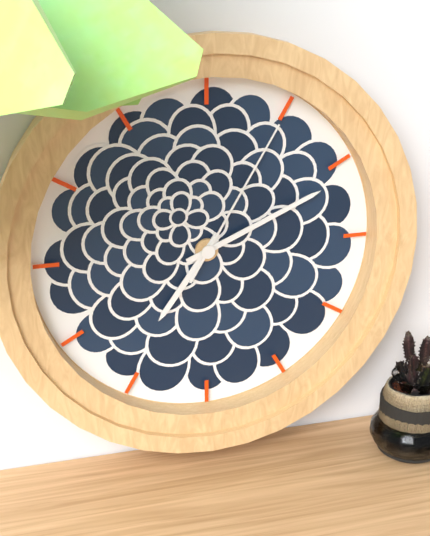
7:11:05
